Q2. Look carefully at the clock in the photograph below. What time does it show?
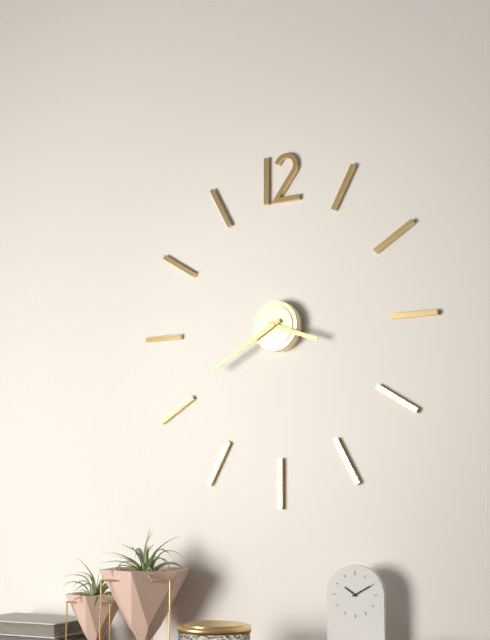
3:40
